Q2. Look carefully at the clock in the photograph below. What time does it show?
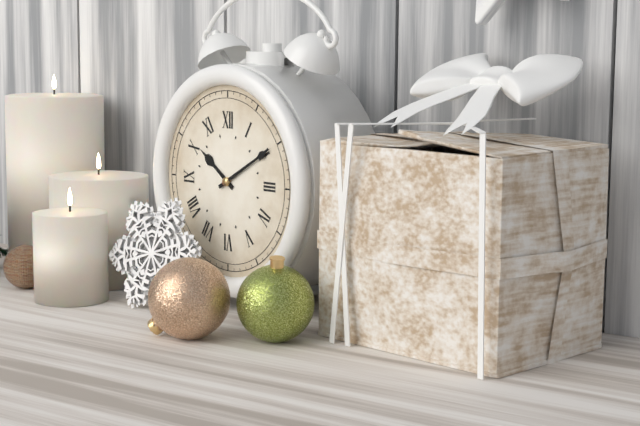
10:10
